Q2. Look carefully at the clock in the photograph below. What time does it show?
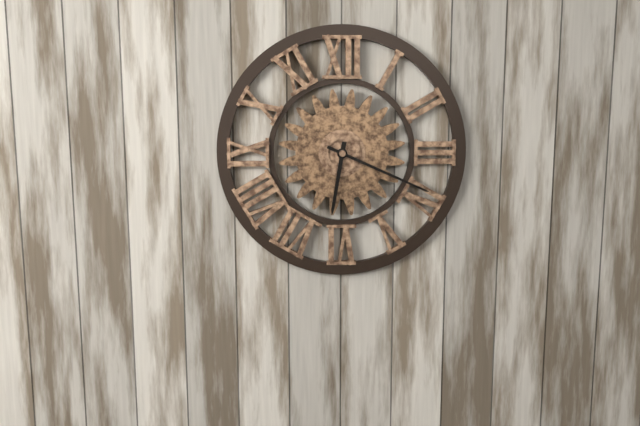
6:19
